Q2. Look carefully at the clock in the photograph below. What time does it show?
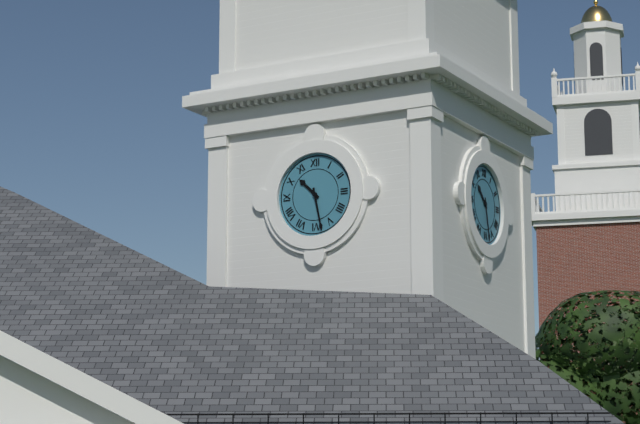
10:28
